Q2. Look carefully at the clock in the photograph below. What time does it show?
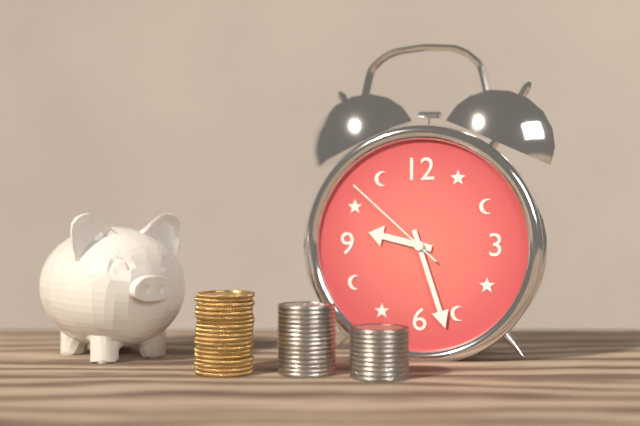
9:27:52
